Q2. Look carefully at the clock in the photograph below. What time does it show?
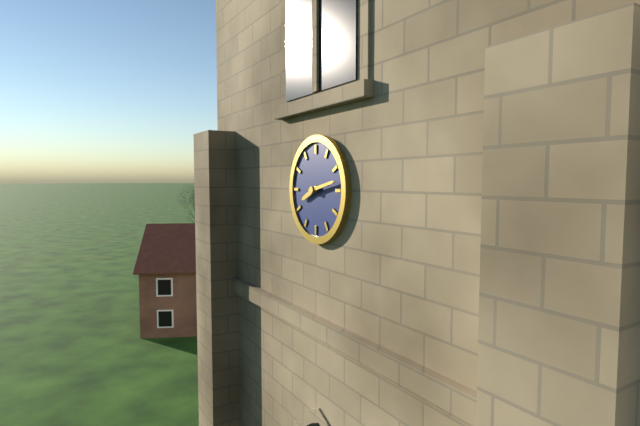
8:13
